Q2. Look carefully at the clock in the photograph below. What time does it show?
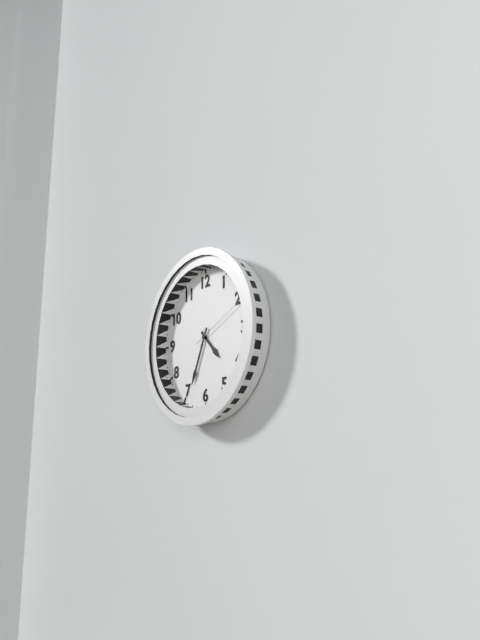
4:34:11
